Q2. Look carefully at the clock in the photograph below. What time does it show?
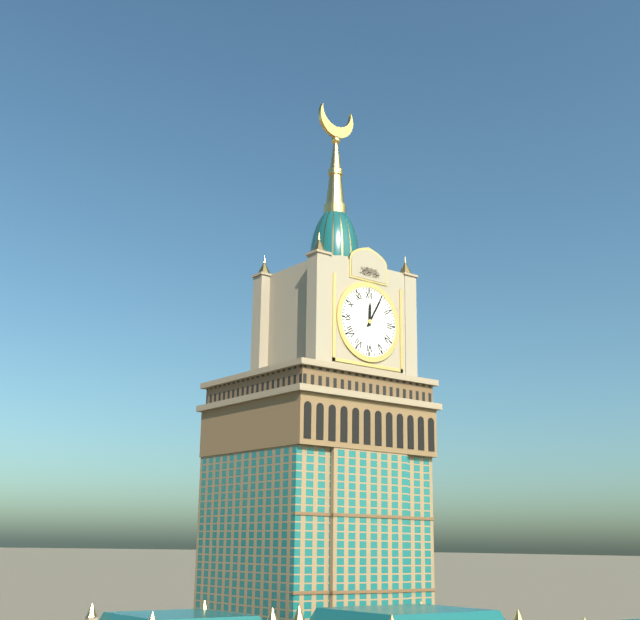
12:05
